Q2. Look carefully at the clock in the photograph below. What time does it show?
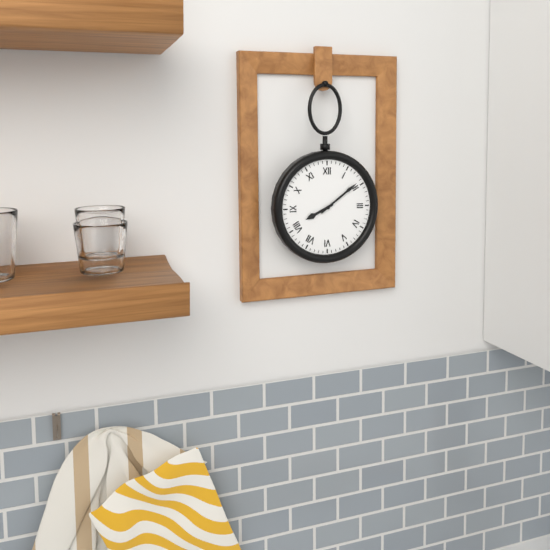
8:09
